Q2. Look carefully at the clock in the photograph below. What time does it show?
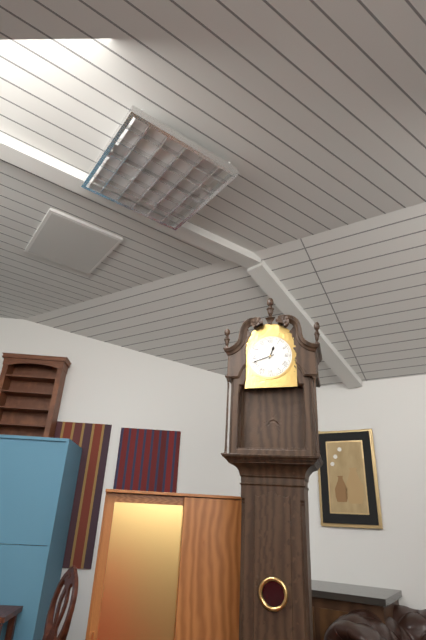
12:42
